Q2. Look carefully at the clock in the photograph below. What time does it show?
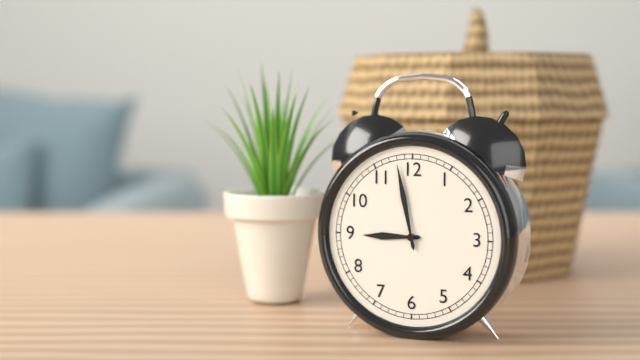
8:58
